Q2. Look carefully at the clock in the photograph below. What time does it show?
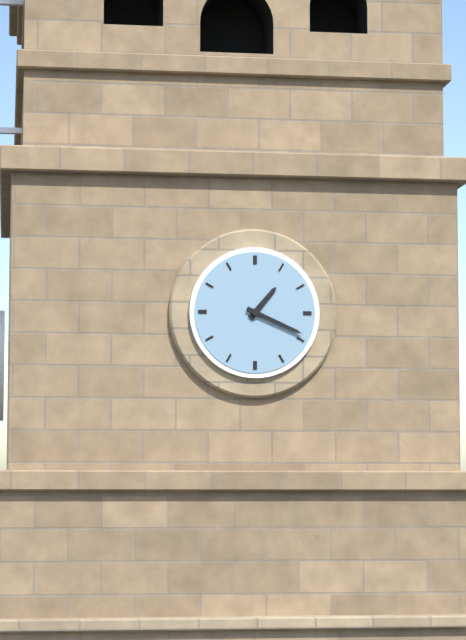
1:19
